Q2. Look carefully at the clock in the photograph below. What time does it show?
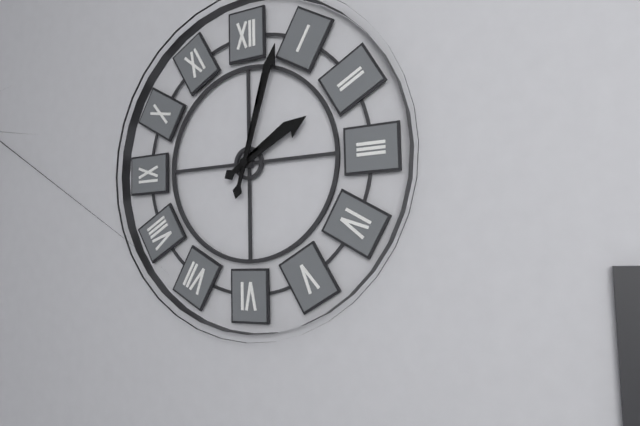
2:03
